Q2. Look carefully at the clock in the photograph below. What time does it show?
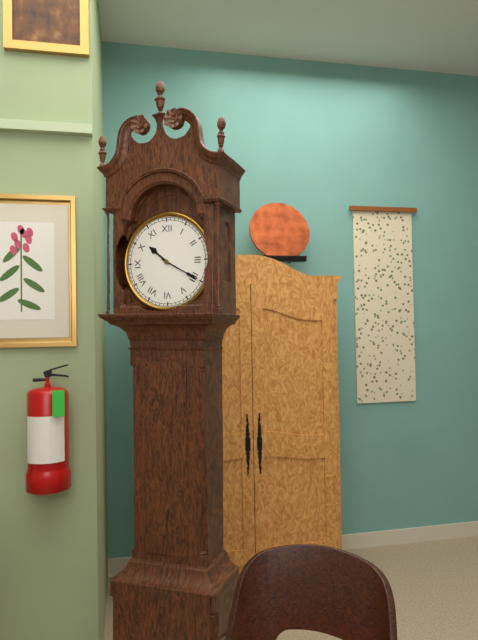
10:20
